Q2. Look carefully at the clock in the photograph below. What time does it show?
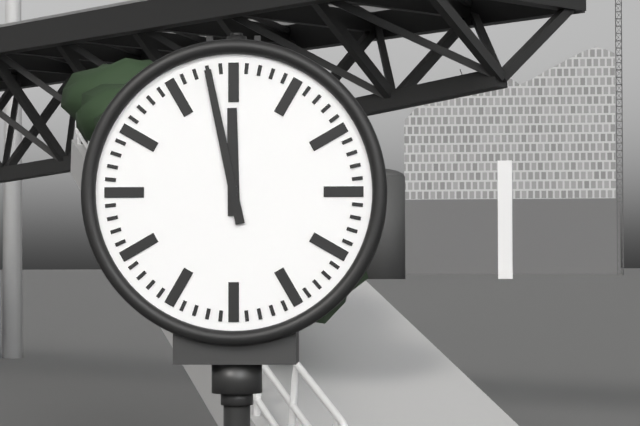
11:58
